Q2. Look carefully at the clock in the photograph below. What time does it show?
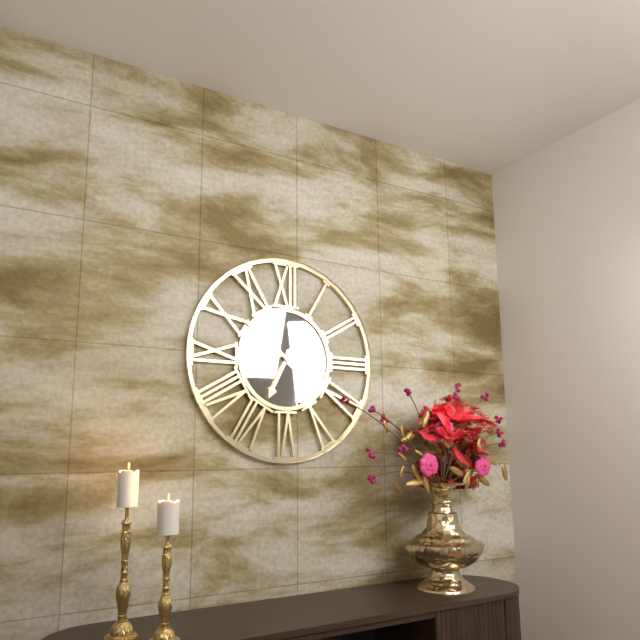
6:51
